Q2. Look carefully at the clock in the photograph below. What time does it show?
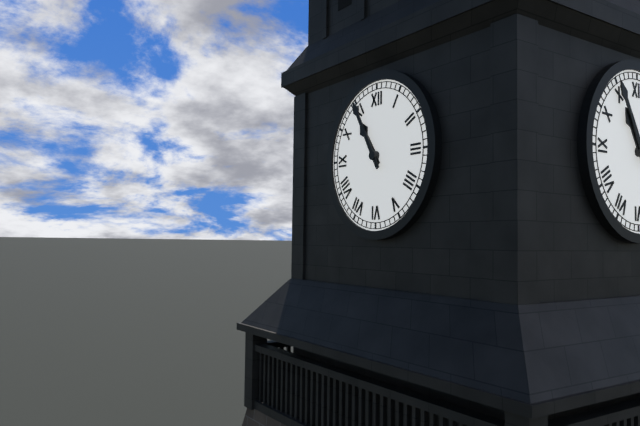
10:55
